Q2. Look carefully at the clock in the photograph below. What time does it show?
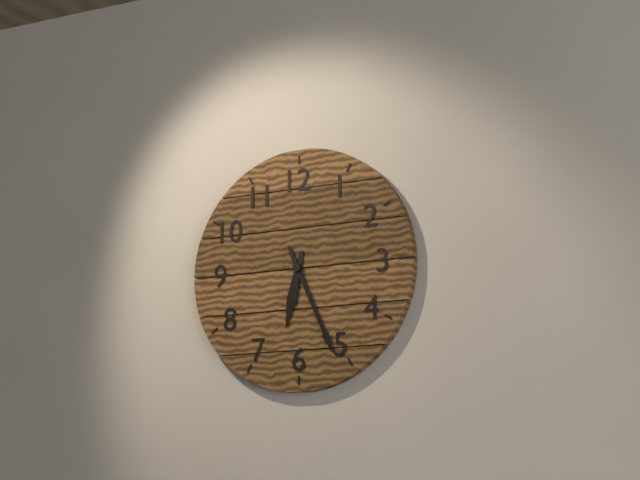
6:26
